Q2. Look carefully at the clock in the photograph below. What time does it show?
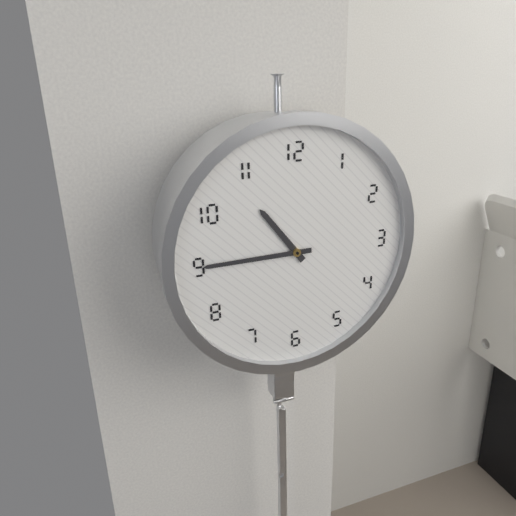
10:45
